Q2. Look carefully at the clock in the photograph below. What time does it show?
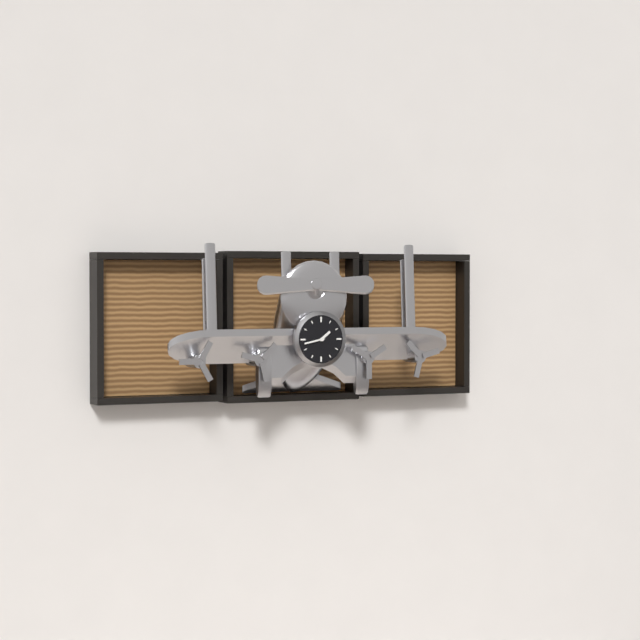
1:43
